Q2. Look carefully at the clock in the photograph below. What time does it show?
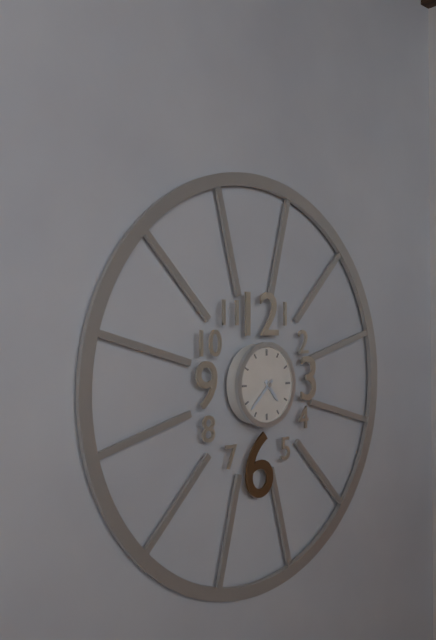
4:38
